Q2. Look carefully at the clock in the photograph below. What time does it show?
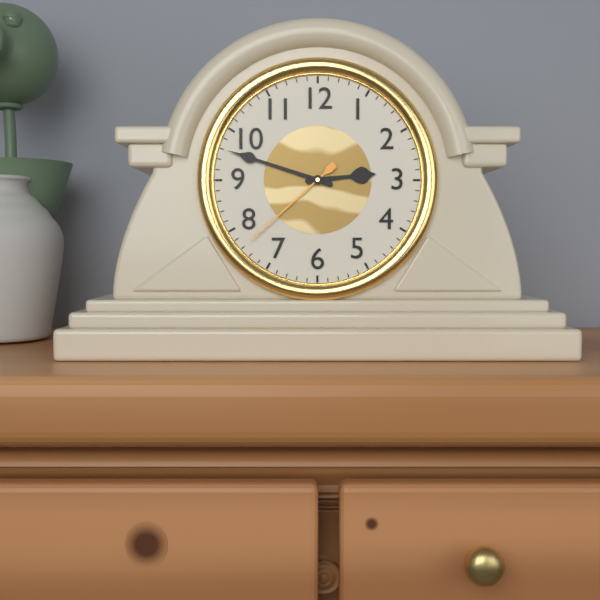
2:48:38
